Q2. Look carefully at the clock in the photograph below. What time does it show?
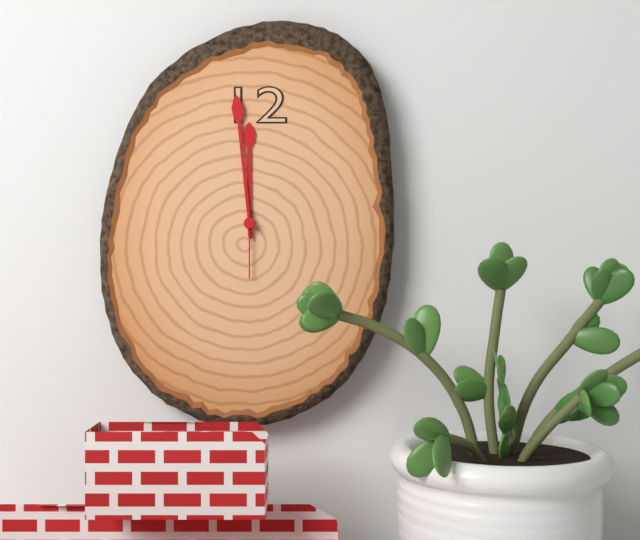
11:59:30
